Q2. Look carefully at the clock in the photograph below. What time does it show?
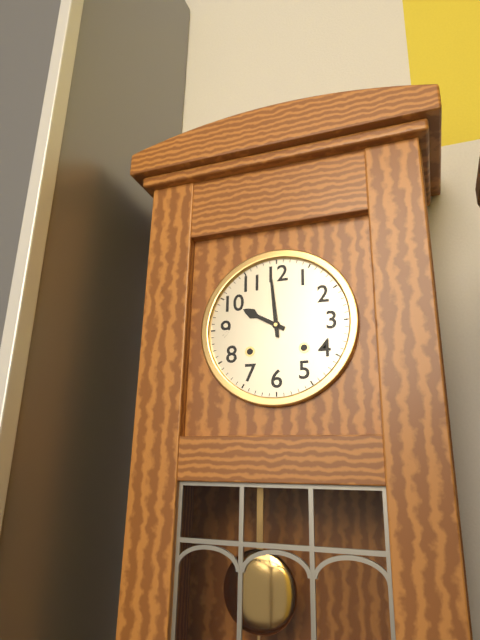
9:59
